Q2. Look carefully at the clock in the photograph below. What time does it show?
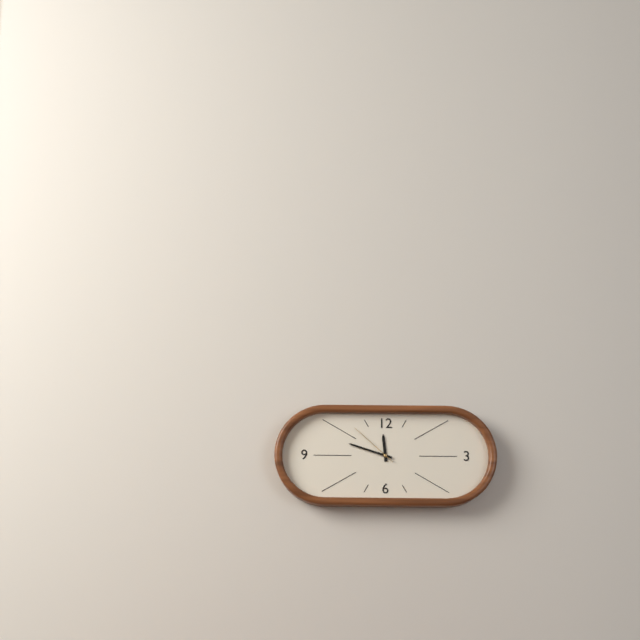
11:48:52
